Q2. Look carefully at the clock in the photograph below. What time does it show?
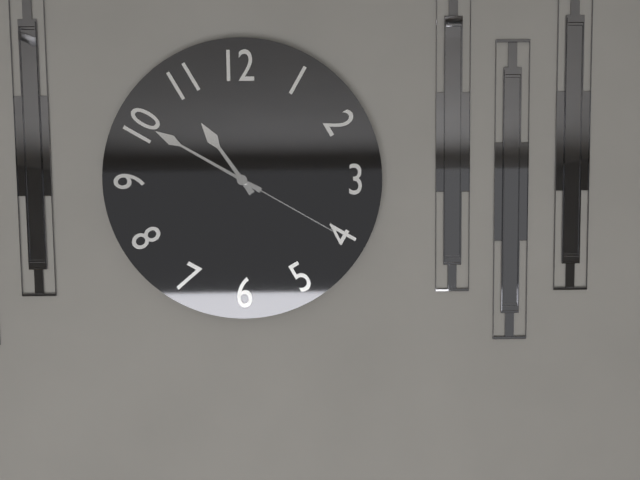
10:50:20
